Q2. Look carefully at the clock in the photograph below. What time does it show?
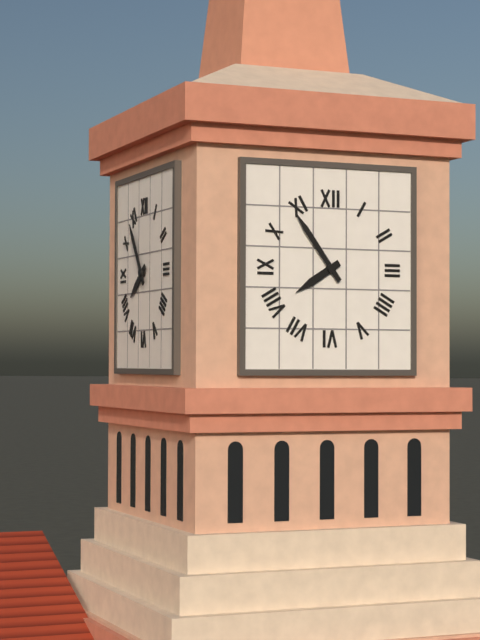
7:54
